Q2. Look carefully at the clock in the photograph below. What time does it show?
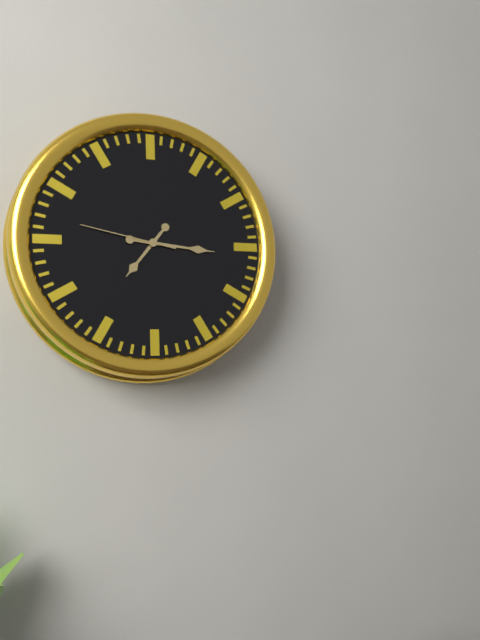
7:16:47
